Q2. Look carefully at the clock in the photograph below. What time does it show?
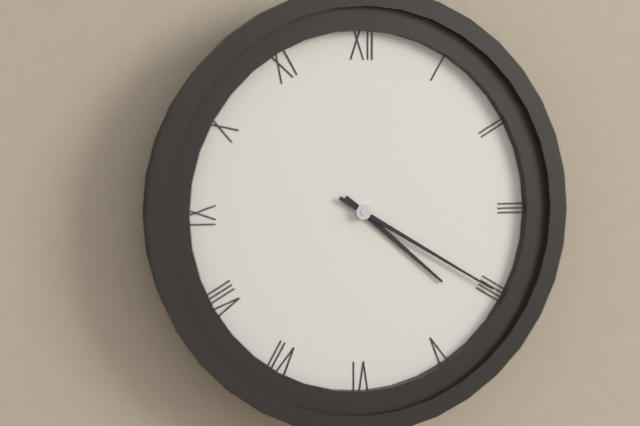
4:20
